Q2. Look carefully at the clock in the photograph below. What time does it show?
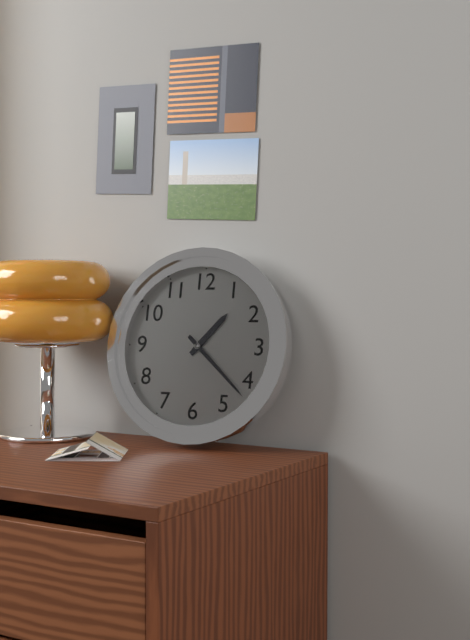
1:22
